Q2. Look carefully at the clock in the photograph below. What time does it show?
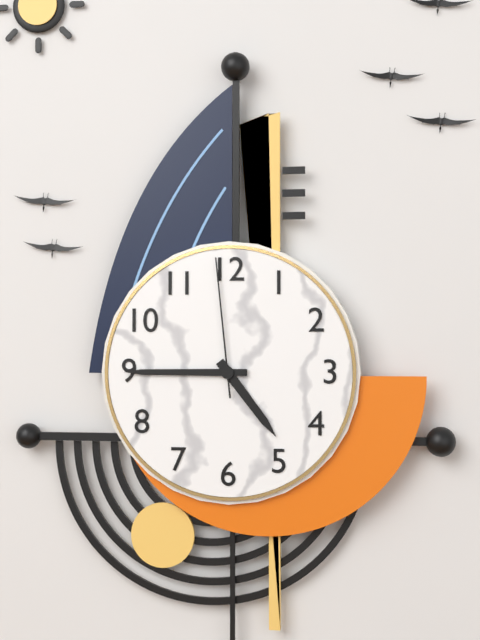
4:45:59
